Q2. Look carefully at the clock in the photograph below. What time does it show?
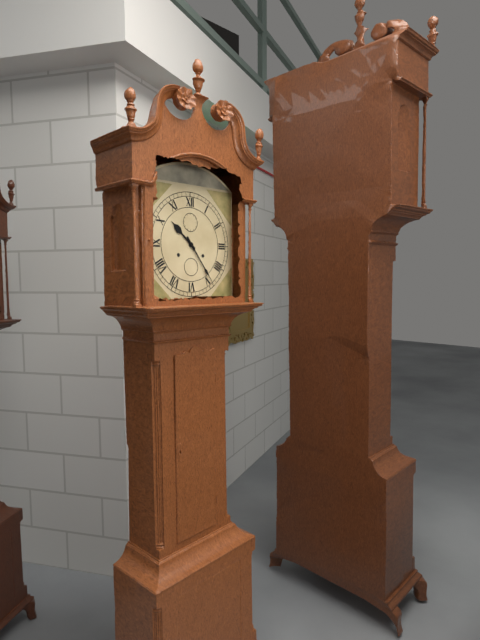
10:24
